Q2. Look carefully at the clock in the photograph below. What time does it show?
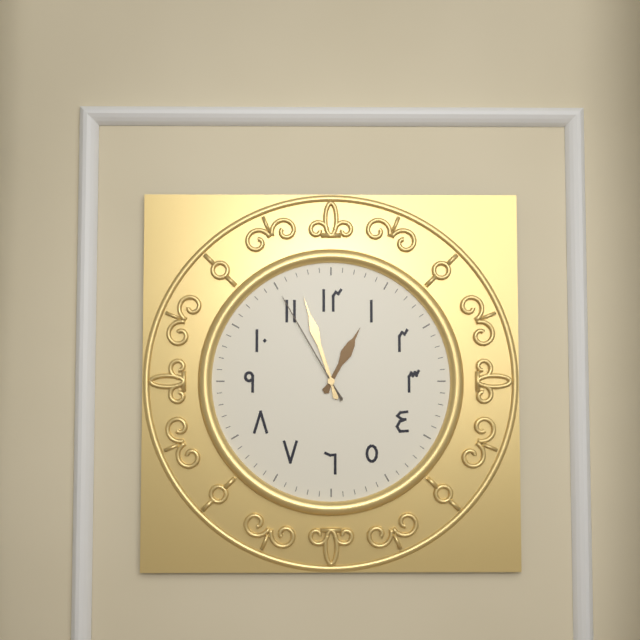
12:57:55
